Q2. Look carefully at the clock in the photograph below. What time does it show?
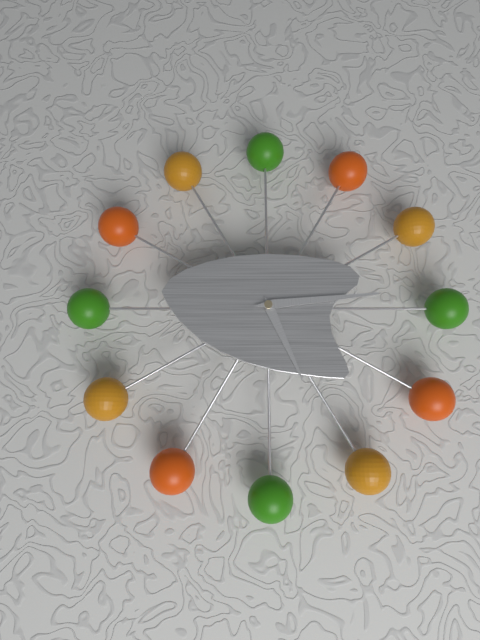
5:14
